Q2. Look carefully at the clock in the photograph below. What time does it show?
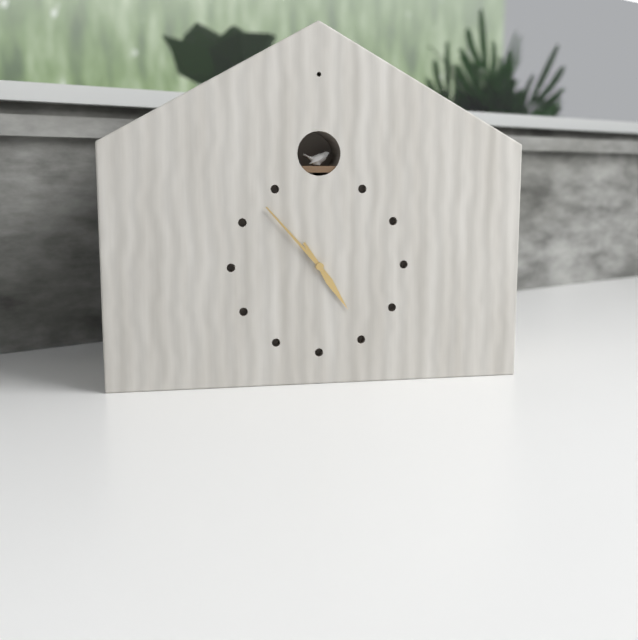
4:53
